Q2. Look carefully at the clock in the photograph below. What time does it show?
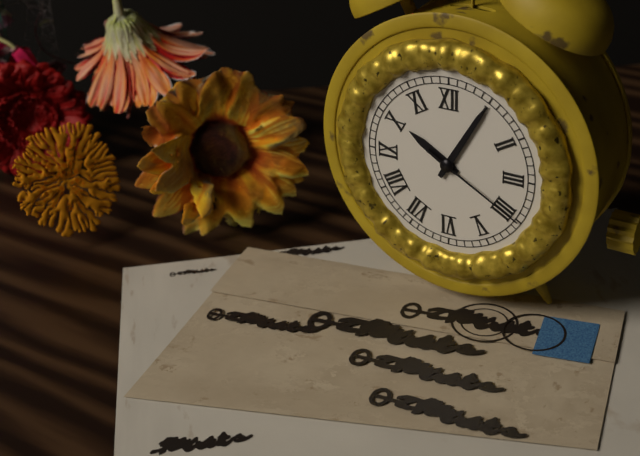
10:05:20
